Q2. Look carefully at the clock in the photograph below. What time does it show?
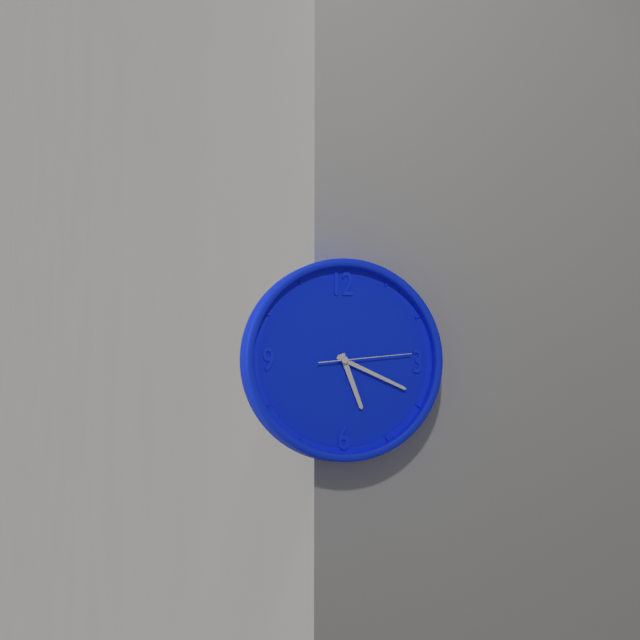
5:19:14
